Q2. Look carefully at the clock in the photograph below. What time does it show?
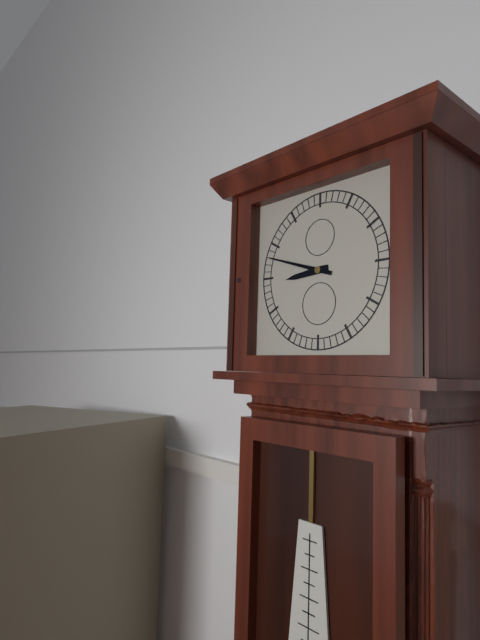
8:48
